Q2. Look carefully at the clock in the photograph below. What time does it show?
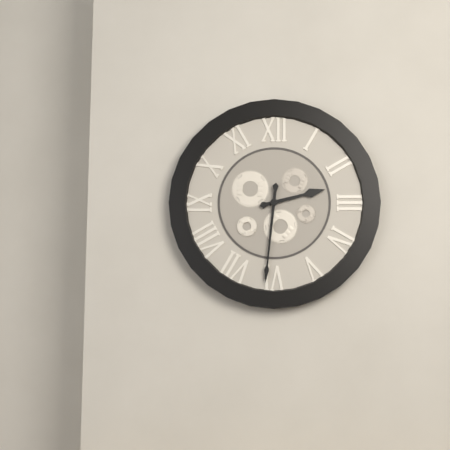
2:31
